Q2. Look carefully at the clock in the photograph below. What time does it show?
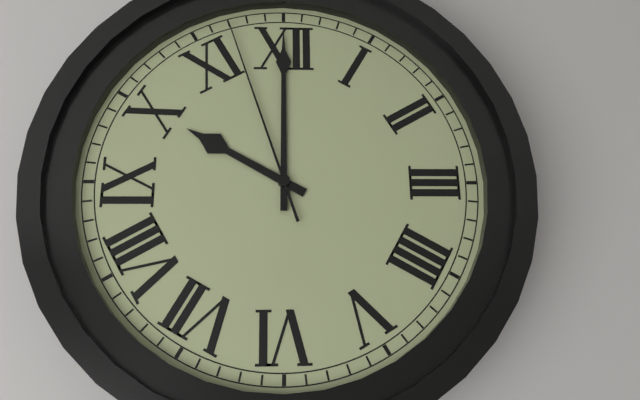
10:00:57
